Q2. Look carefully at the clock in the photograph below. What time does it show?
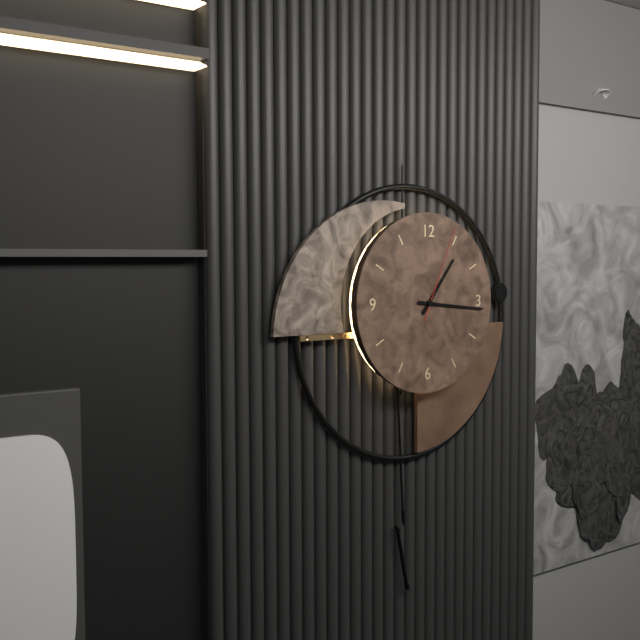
1:16:04
